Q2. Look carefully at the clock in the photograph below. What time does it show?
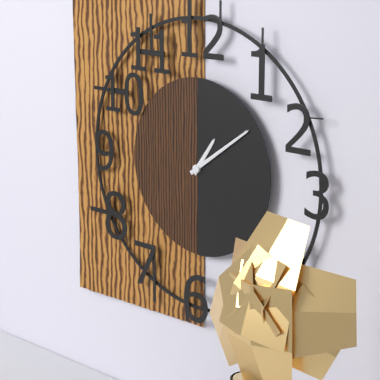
1:09
